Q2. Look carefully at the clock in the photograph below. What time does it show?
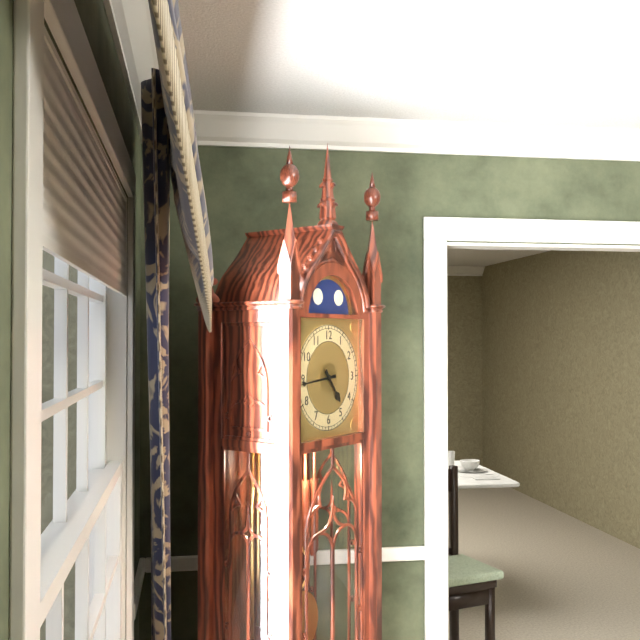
4:44
